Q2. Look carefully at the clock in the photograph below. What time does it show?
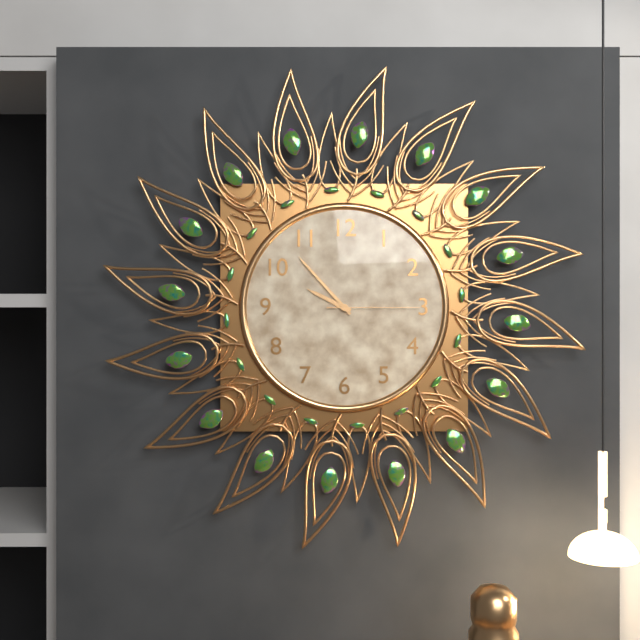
9:53:15
